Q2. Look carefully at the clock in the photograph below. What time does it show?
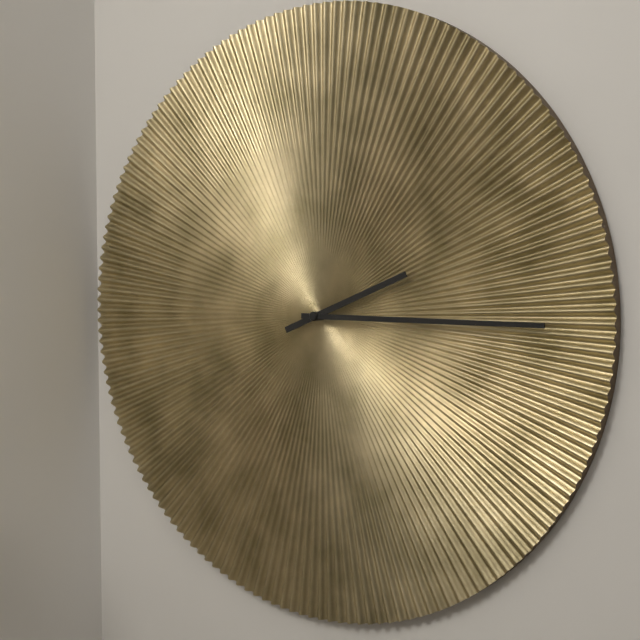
2:15
